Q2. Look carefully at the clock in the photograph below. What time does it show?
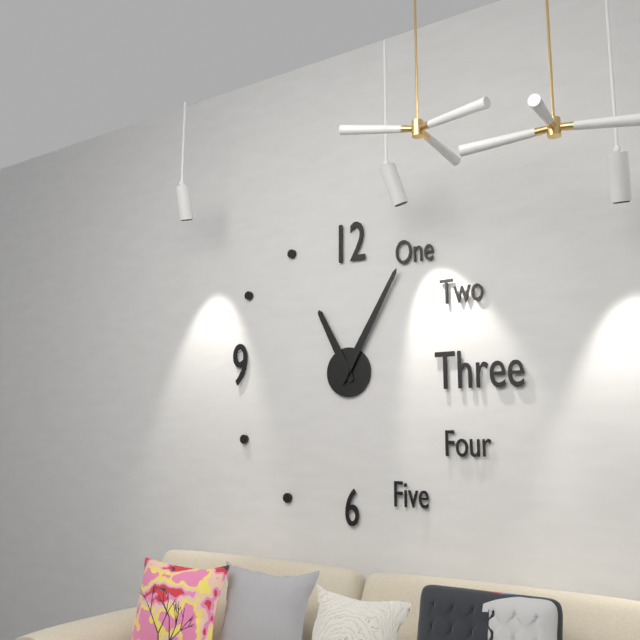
11:05
